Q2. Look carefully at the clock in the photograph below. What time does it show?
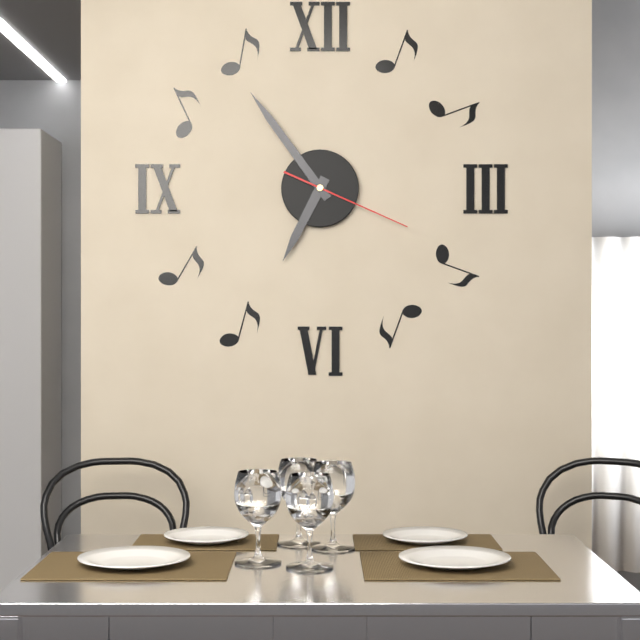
6:54:19
